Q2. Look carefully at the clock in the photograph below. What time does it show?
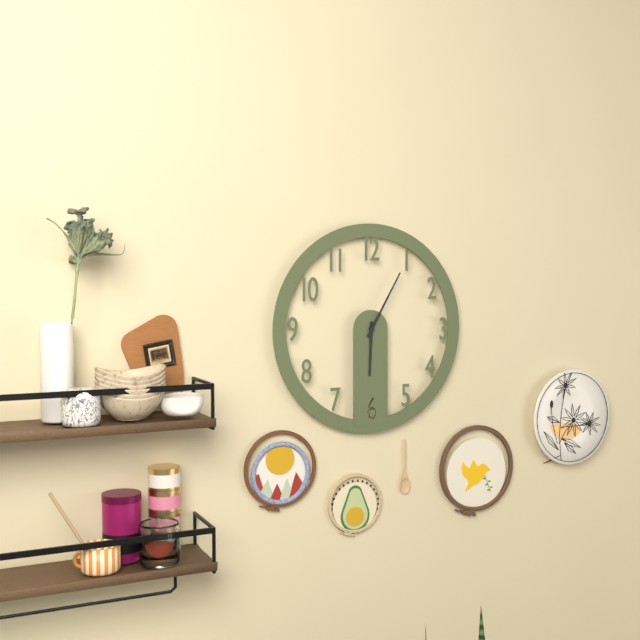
6:05
